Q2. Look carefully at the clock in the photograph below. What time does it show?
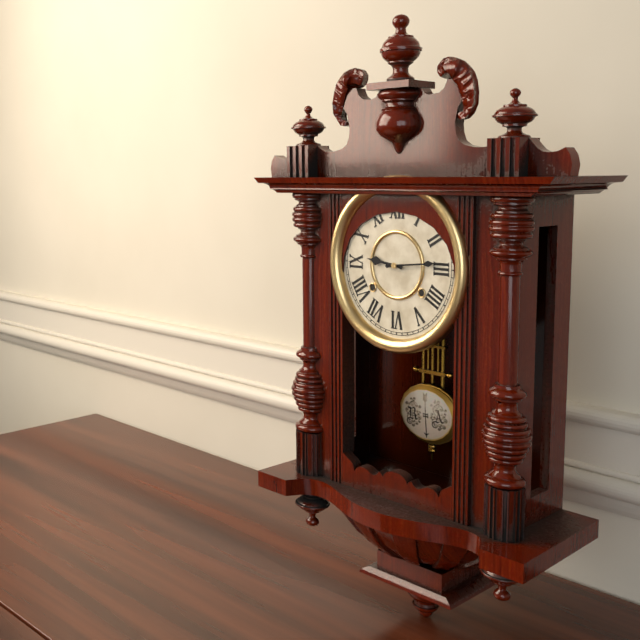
9:14
